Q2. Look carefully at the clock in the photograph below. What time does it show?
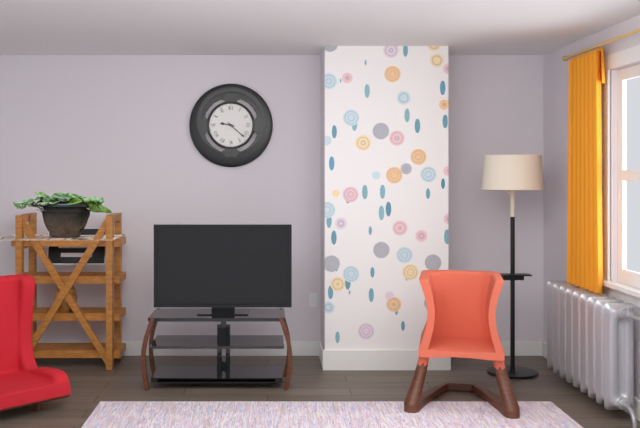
9:22
